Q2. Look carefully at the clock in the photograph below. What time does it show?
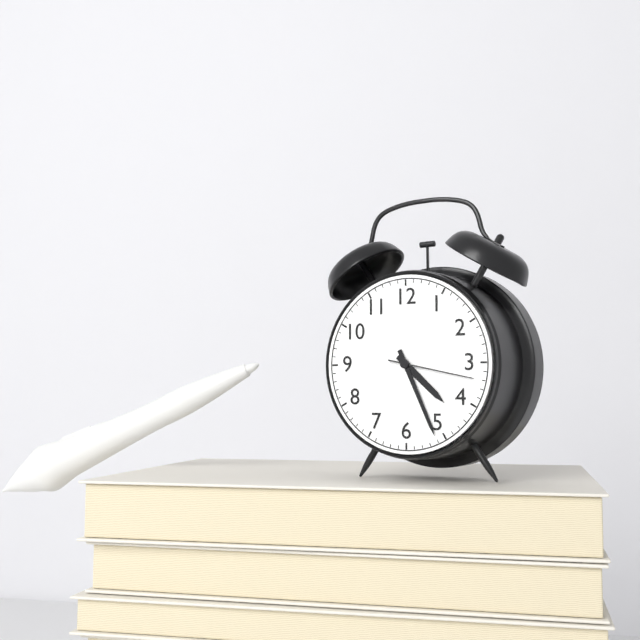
4:26:17
